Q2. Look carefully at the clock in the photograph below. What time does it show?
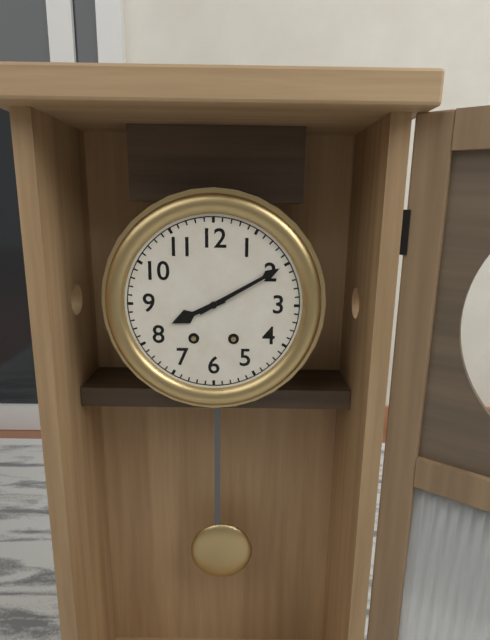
8:10
